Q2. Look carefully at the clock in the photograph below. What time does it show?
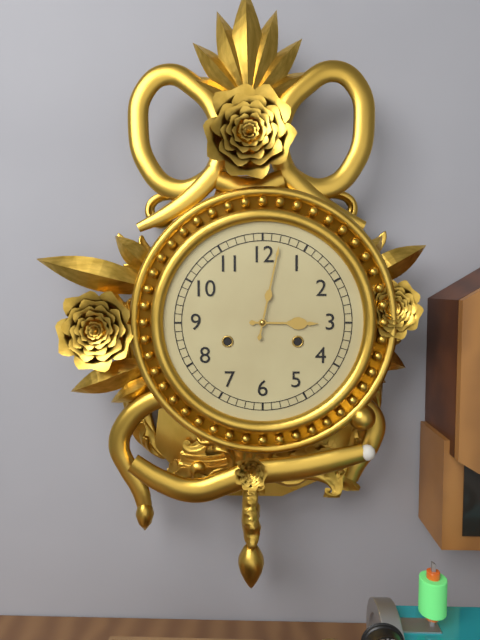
3:02
